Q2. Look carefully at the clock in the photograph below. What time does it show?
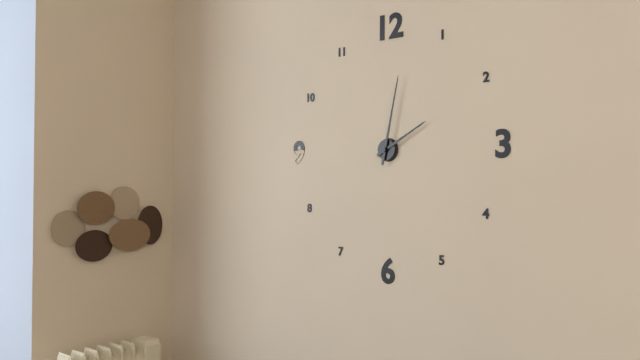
2:02
